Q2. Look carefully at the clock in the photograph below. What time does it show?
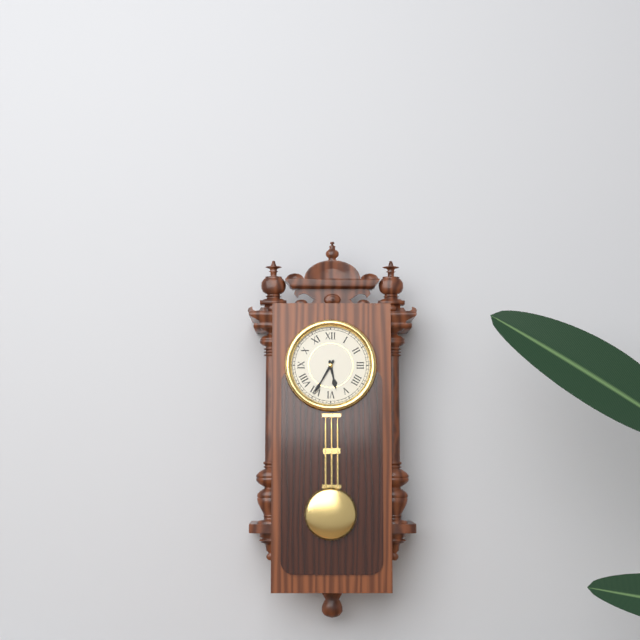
5:35
